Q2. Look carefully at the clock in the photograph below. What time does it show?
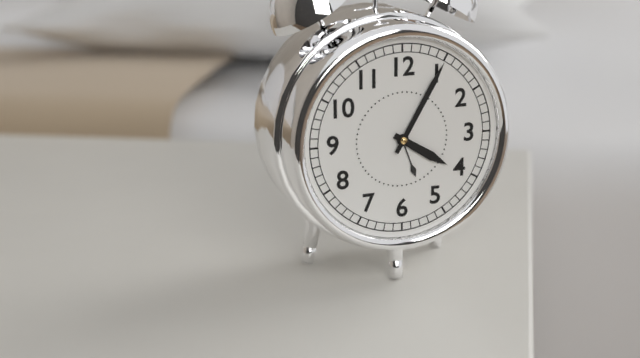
4:05
